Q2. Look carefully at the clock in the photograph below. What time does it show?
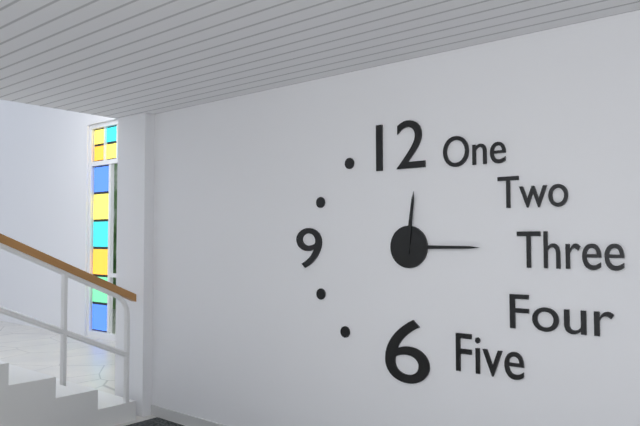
12:15
